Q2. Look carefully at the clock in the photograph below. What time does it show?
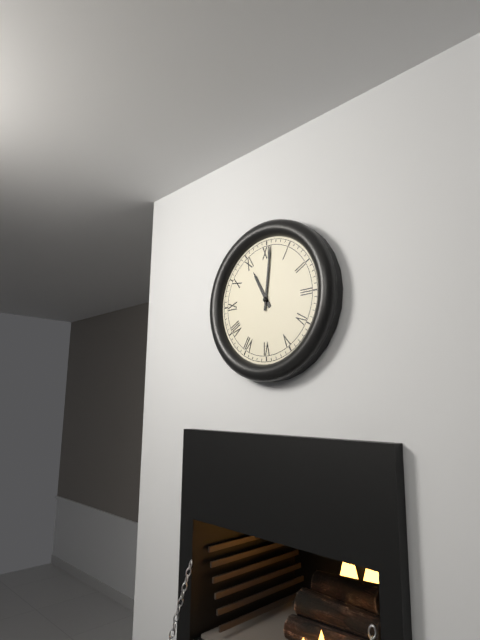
11:01
